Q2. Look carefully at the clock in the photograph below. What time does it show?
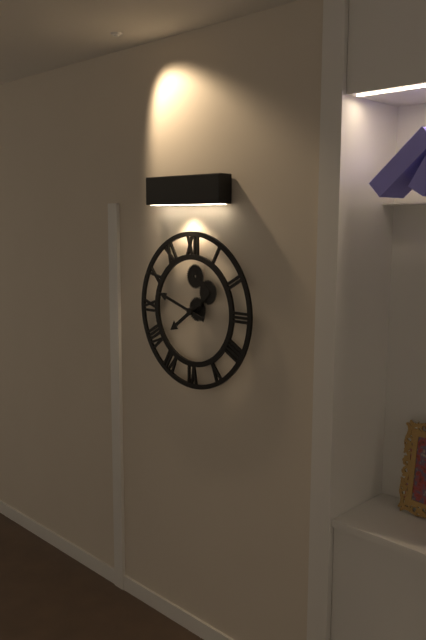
7:48
